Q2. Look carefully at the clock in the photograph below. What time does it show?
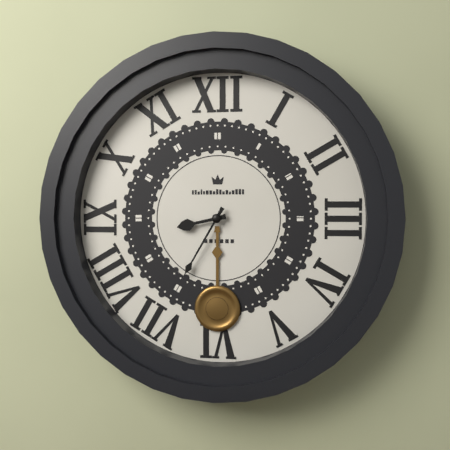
8:35
